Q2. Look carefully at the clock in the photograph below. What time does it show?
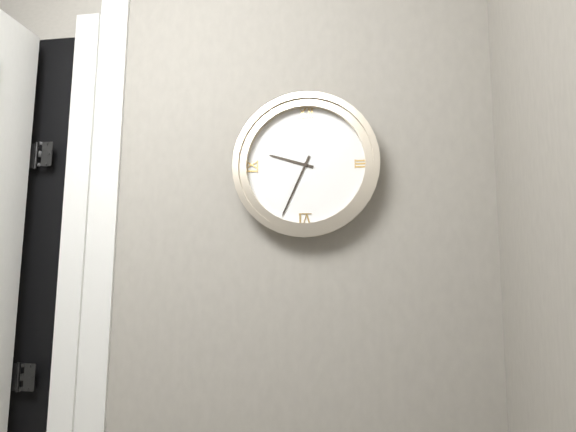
9:34
